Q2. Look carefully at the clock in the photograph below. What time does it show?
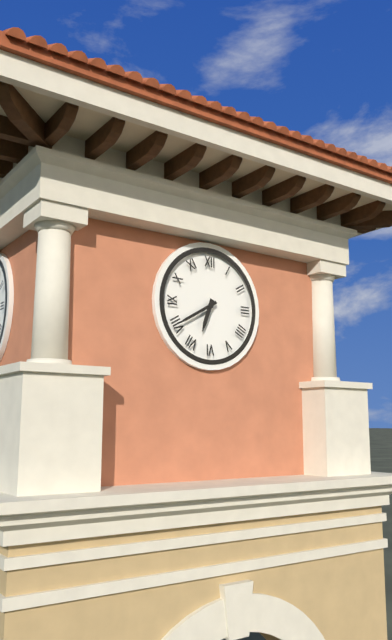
6:40
